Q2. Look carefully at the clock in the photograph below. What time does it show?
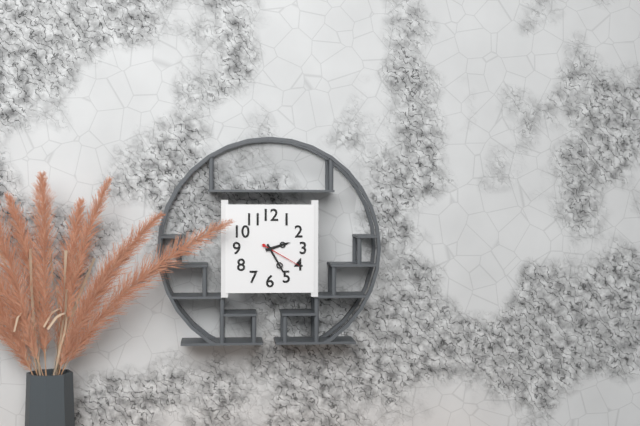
2:25
